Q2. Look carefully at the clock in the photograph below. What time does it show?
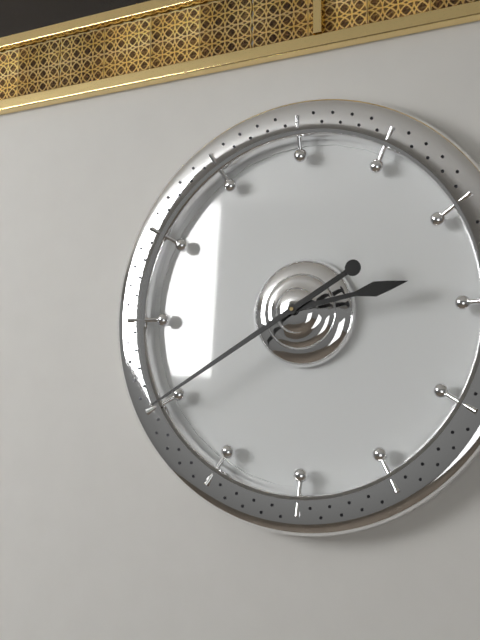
2:40
